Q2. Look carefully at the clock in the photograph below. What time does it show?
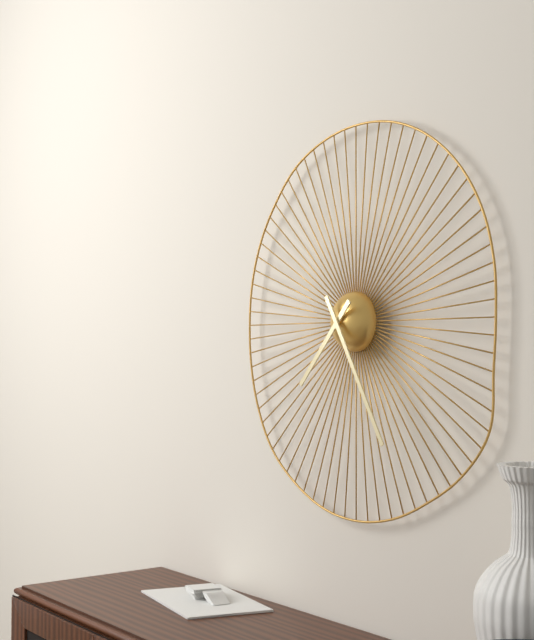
7:25
